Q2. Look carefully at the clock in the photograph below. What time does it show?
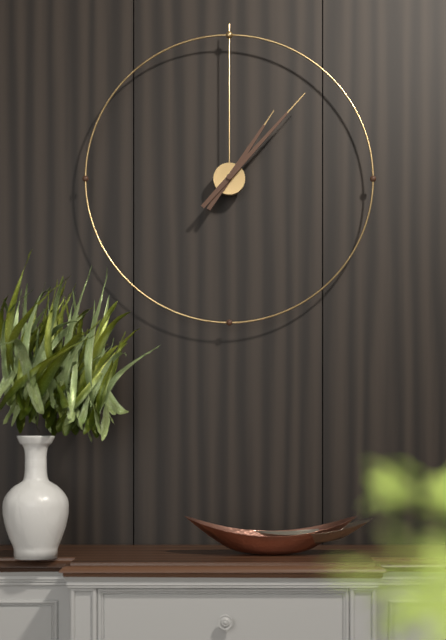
1:07
